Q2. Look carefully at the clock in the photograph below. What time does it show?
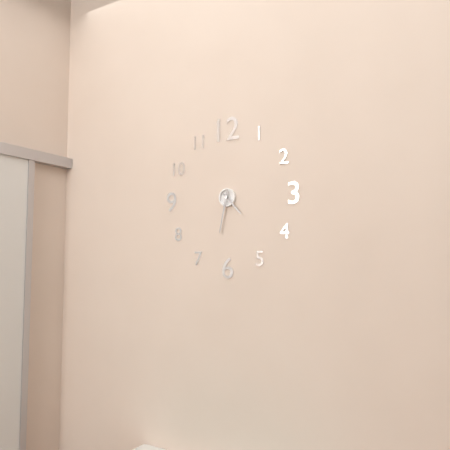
4:32
